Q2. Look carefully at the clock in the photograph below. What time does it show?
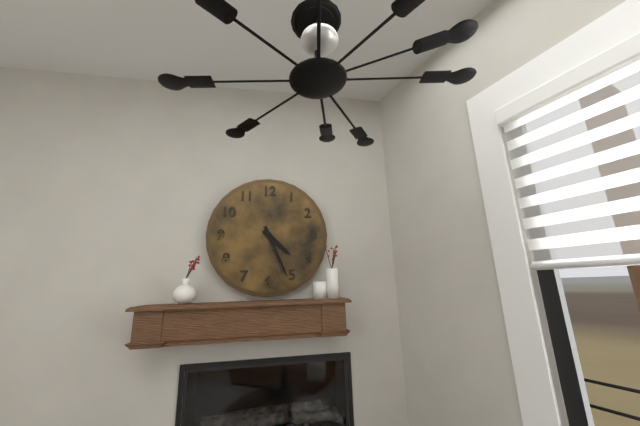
4:26
